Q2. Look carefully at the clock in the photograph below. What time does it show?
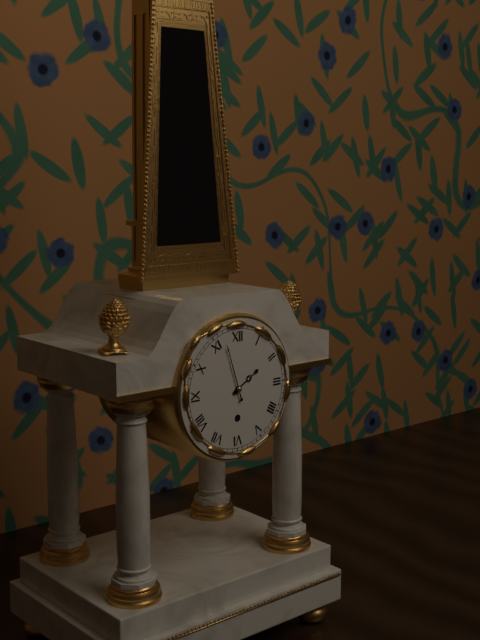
1:57
